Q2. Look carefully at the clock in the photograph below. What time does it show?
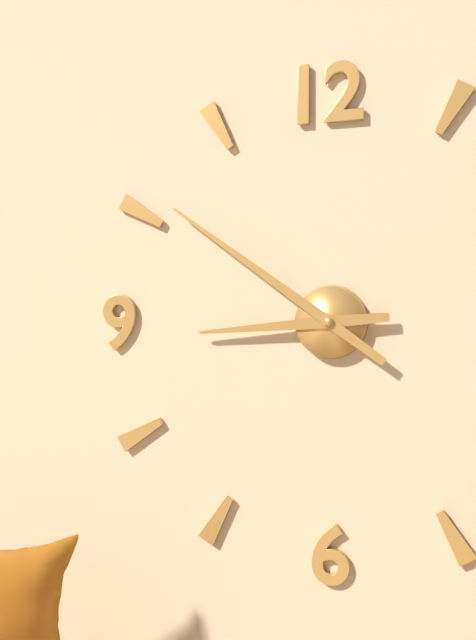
8:51
